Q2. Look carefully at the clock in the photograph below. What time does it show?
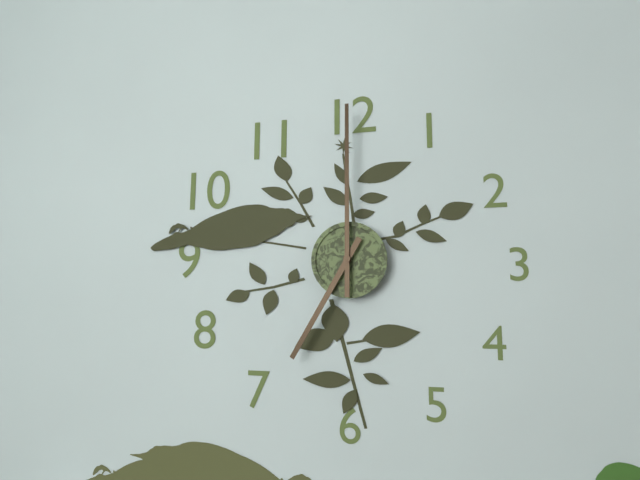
7:00
